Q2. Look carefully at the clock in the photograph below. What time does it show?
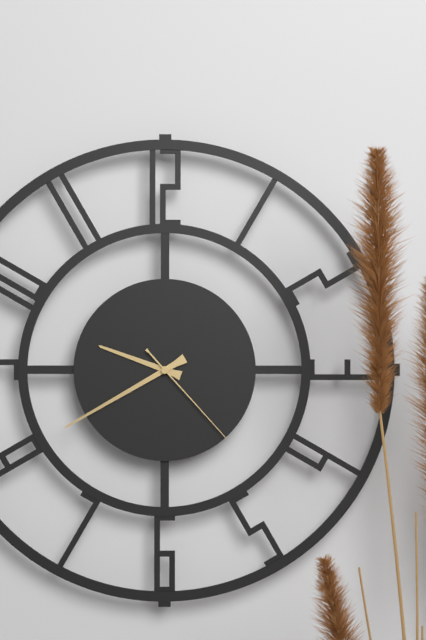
9:40:23
